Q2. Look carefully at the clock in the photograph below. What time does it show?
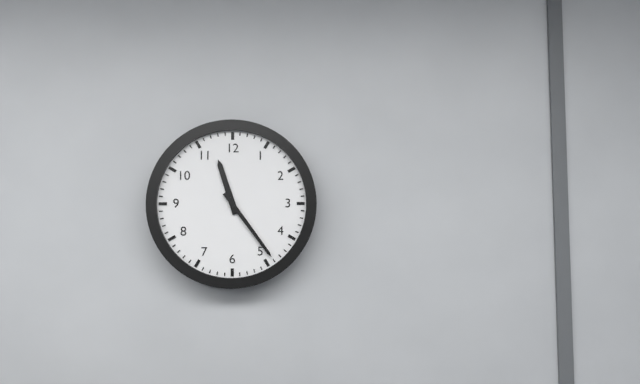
11:24
